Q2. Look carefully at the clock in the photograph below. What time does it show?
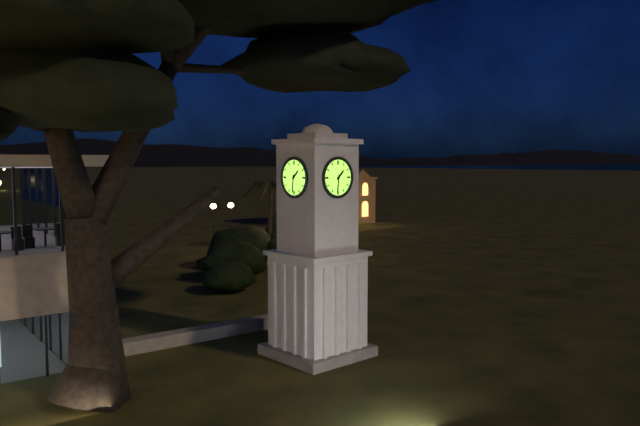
1:31
